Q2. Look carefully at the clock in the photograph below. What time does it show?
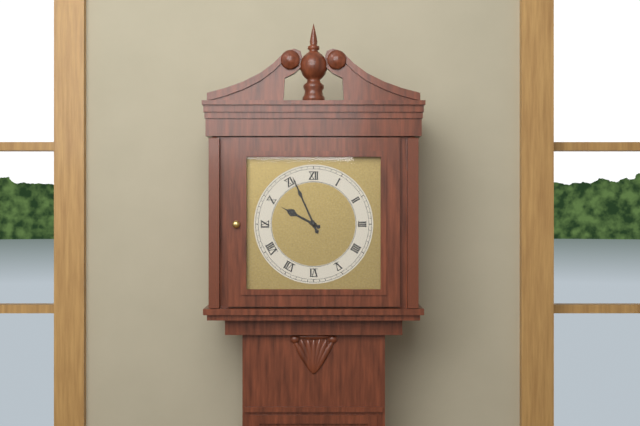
9:56
